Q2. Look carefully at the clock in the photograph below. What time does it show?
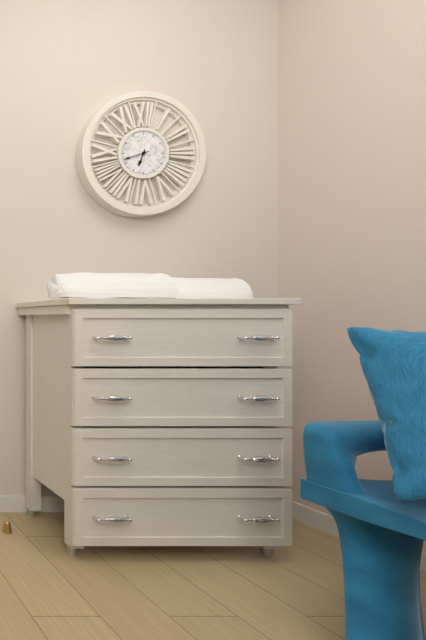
6:42
